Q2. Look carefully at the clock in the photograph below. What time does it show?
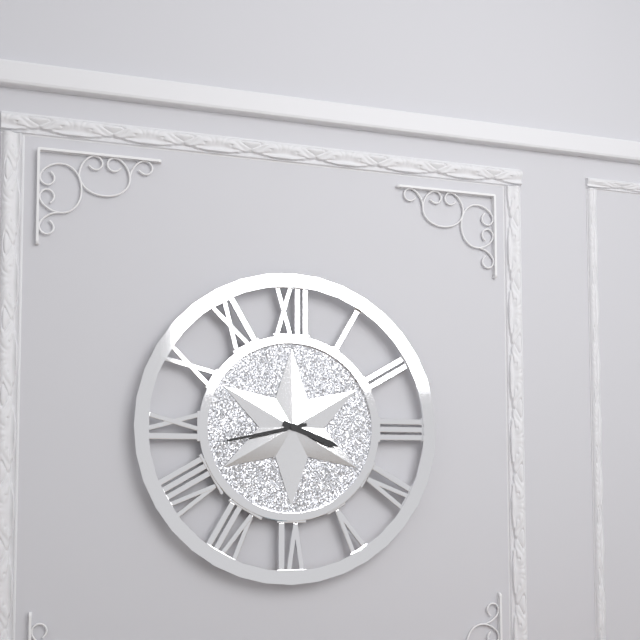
3:43
